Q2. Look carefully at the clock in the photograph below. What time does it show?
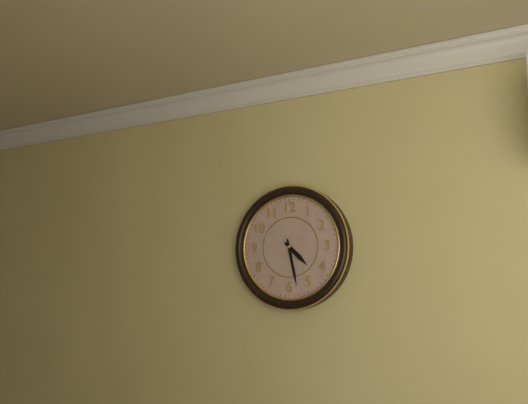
4:28
